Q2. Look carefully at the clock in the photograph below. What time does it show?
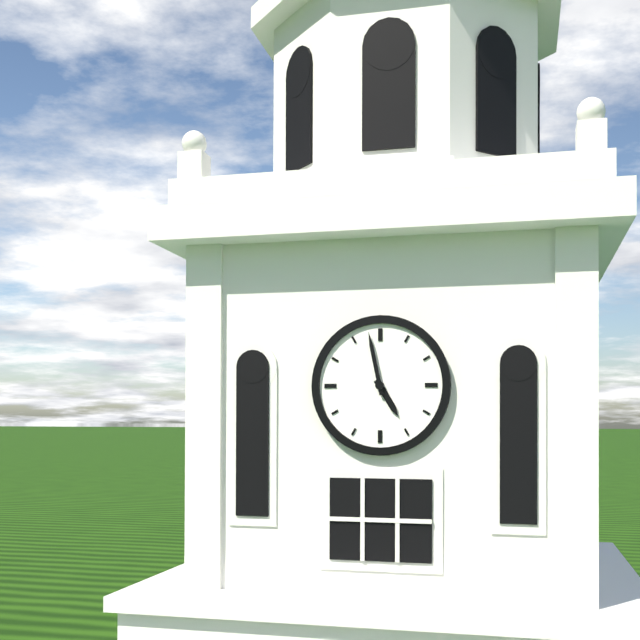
4:58
